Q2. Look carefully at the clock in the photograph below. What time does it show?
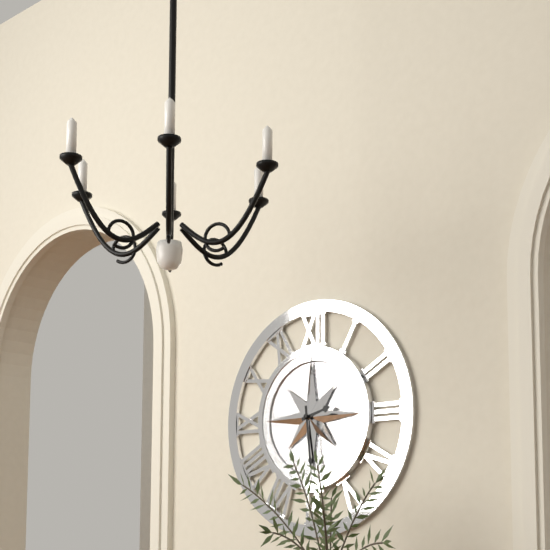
2:29
